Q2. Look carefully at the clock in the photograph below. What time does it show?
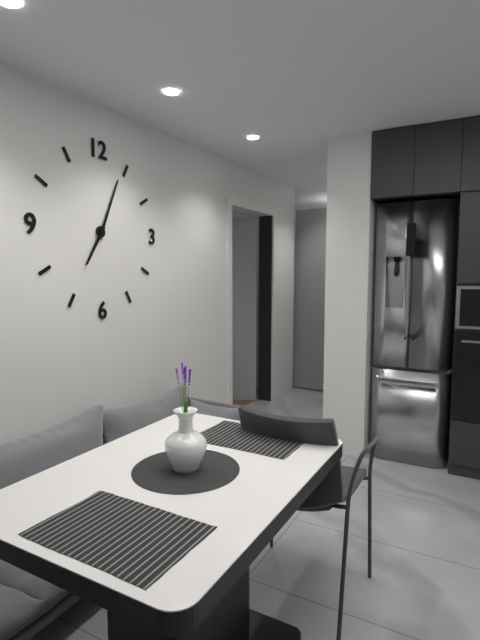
7:04
